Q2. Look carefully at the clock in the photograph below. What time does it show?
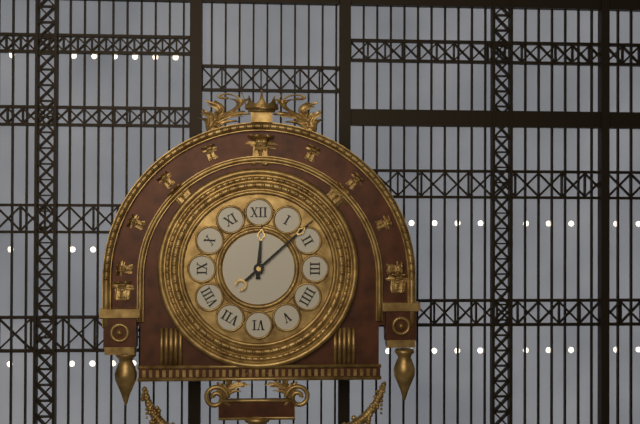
12:08
